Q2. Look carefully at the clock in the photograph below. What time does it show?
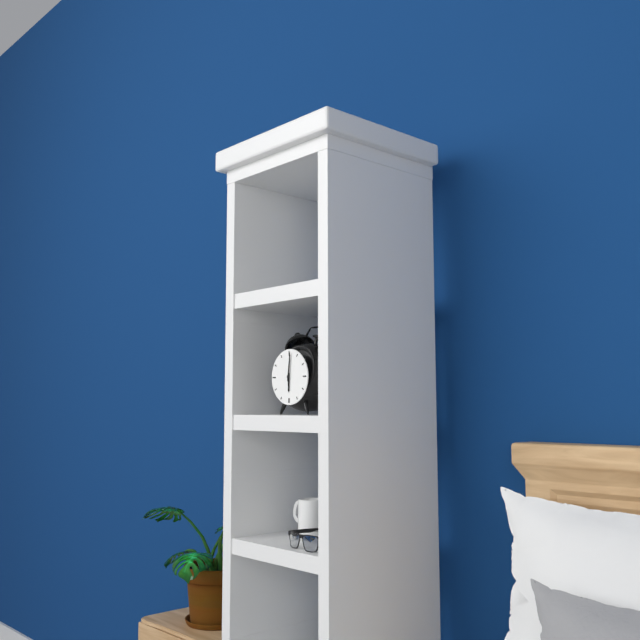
6:01
